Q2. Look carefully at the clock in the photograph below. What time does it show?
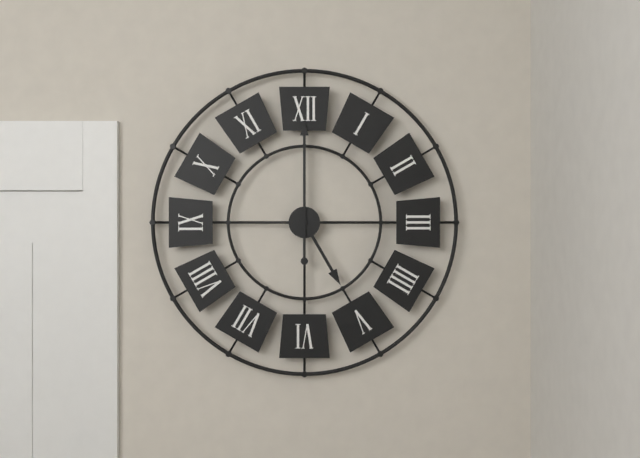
5:00
